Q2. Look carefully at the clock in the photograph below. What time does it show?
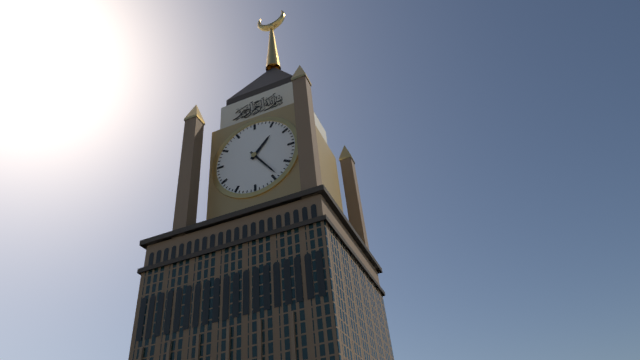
1:24
